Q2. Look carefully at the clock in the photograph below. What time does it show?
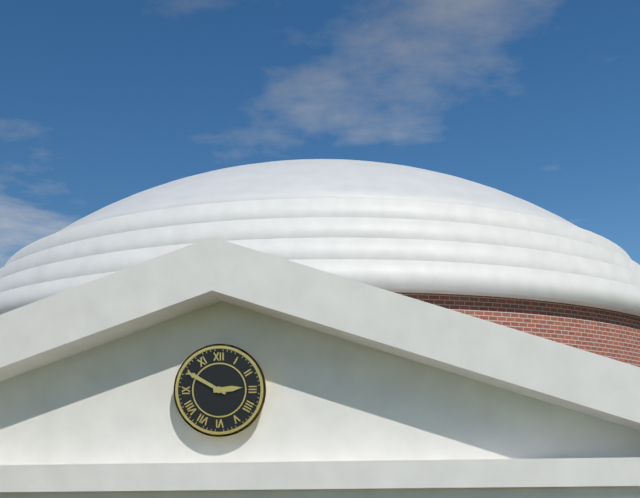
2:50
